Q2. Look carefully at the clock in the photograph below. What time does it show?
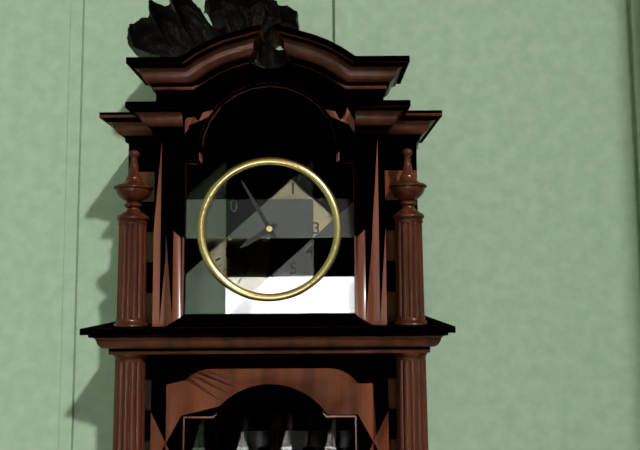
7:55
